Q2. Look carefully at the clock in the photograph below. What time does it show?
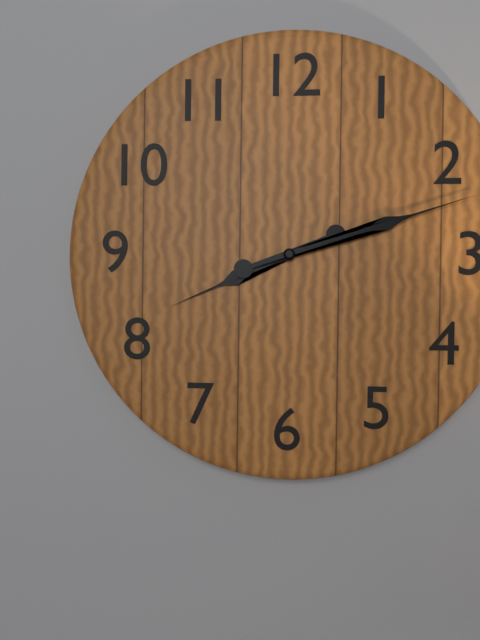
8:12
